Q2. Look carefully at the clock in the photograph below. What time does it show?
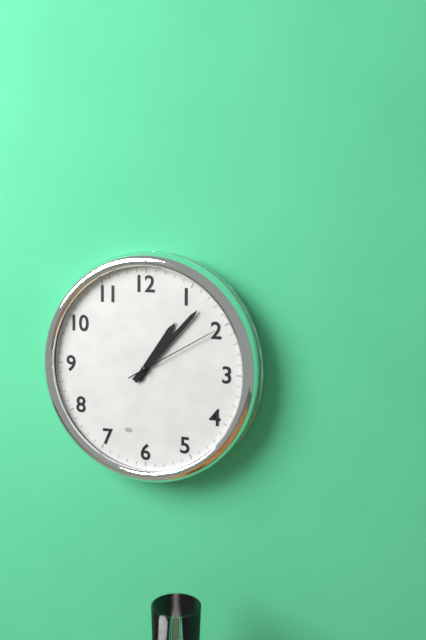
1:07:10
